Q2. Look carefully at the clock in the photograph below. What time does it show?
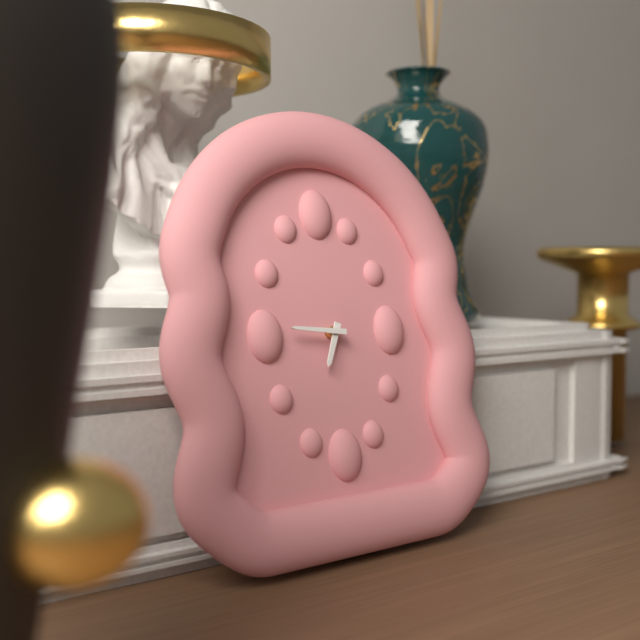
6:46
